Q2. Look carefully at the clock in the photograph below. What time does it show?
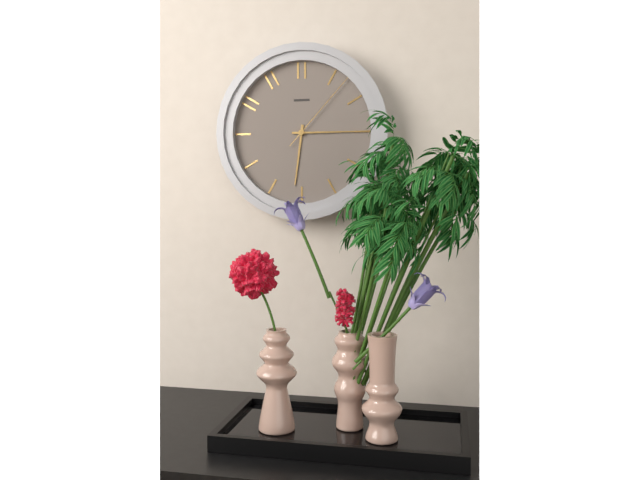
6:15:07
